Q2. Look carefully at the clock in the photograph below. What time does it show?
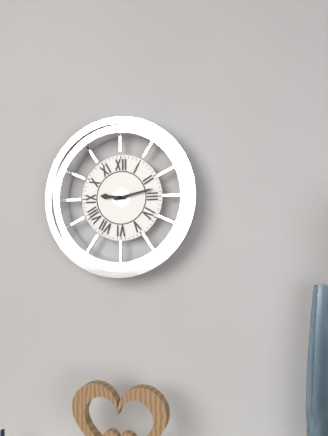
9:13
